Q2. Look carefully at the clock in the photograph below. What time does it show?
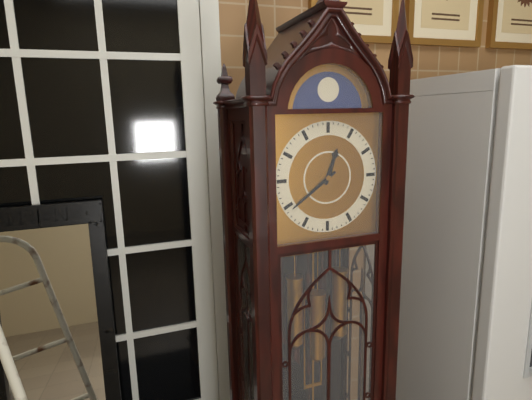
12:39
